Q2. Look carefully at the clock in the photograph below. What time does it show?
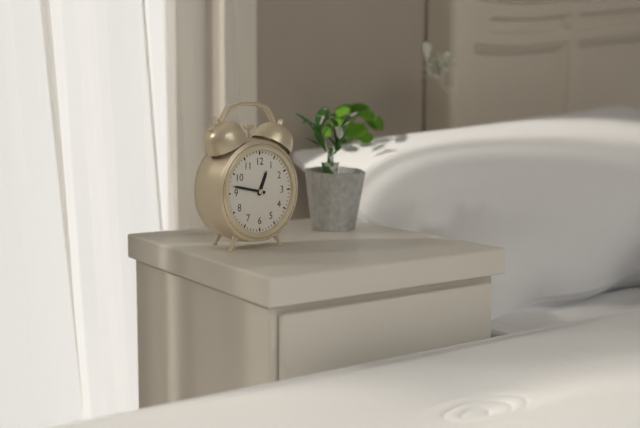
12:47
